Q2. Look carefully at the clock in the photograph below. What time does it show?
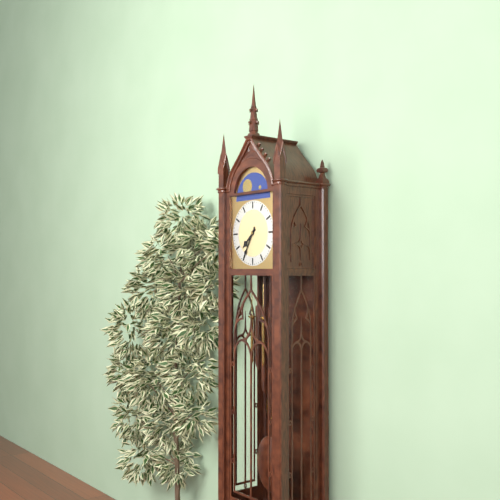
7:35
